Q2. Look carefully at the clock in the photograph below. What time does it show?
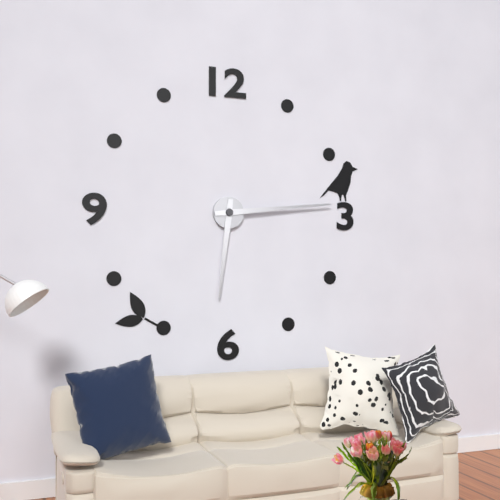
6:14
